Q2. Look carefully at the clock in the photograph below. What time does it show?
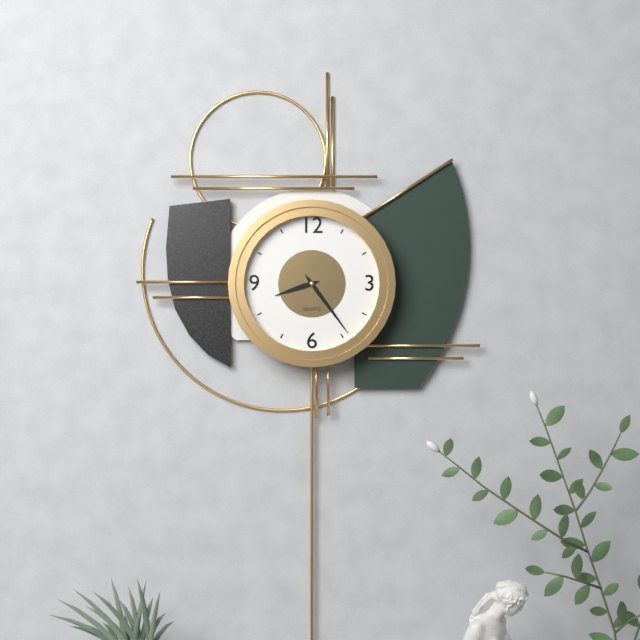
8:24
